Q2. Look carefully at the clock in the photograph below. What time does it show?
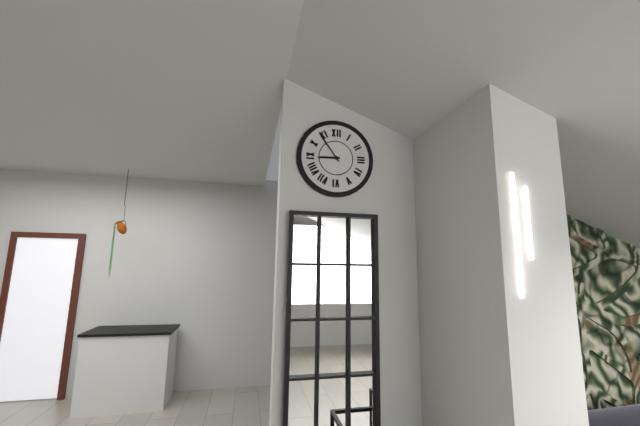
8:54
